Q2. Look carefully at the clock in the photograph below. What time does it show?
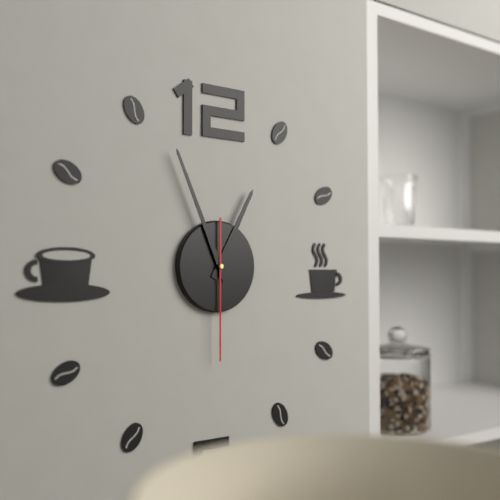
12:56:30
